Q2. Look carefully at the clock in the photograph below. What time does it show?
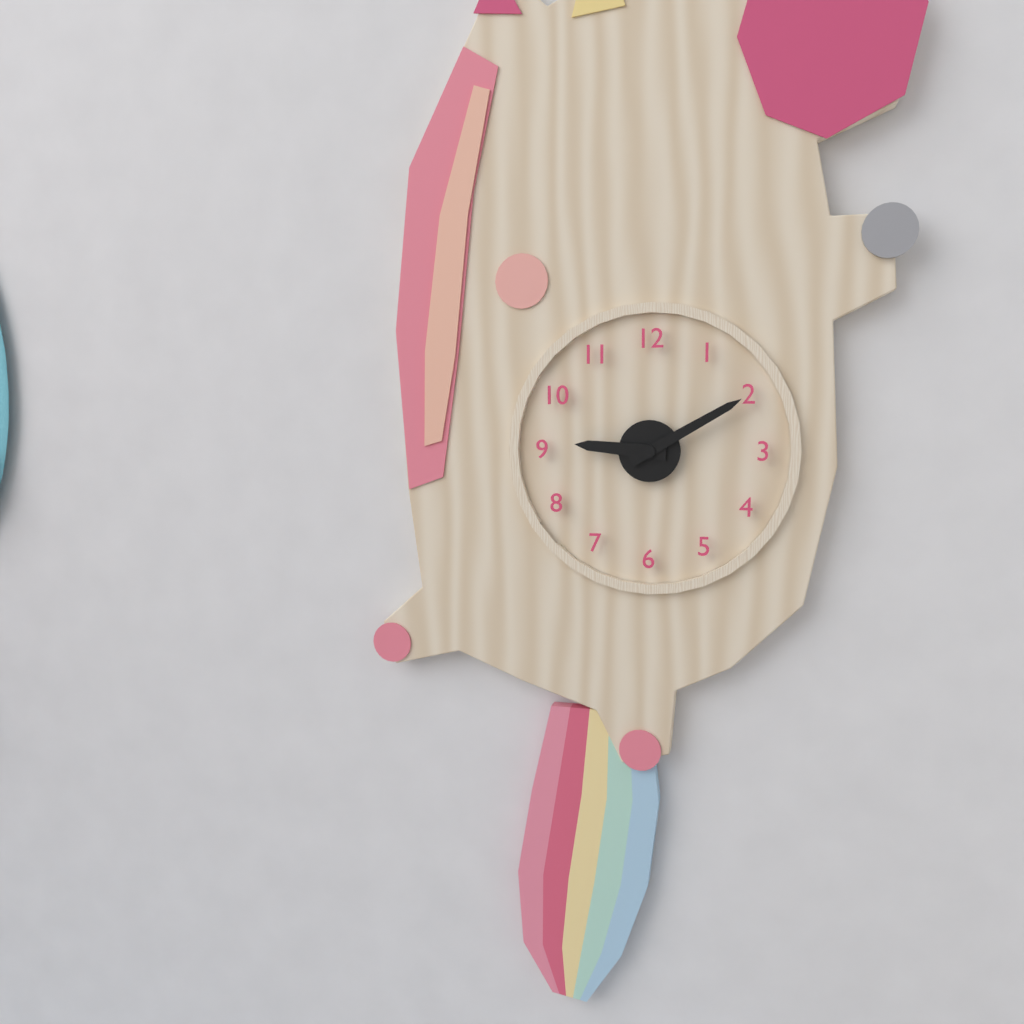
9:10
